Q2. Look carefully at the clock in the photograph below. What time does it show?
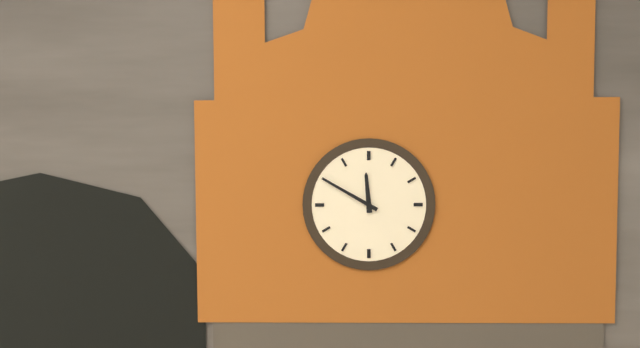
11:50
